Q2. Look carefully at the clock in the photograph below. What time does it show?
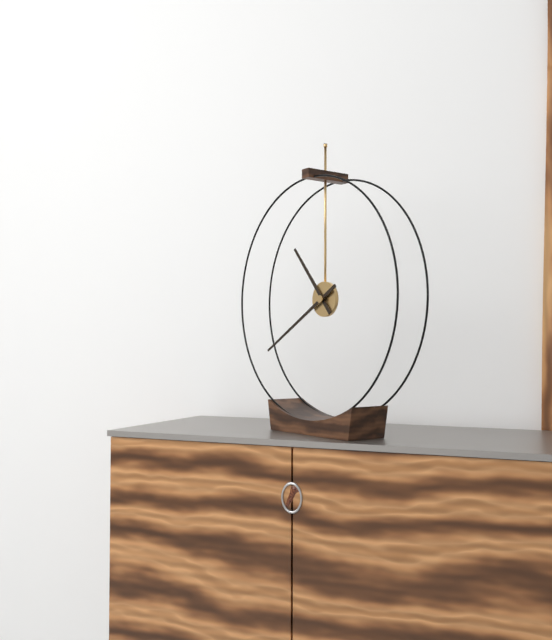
10:40
